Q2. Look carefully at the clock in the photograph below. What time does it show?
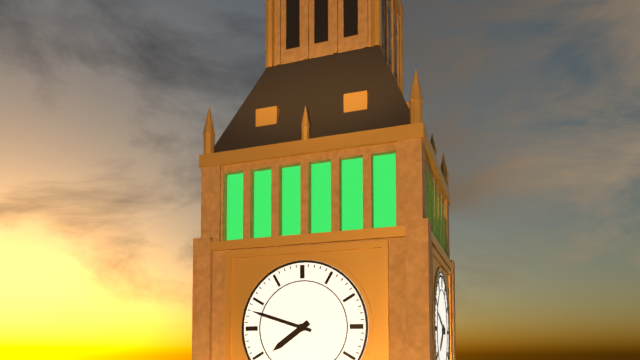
7:48
